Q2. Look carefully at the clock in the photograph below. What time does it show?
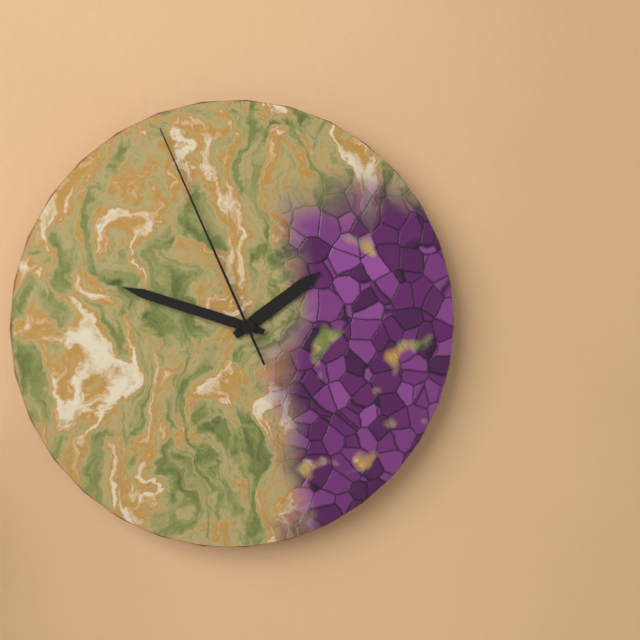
1:48:56
